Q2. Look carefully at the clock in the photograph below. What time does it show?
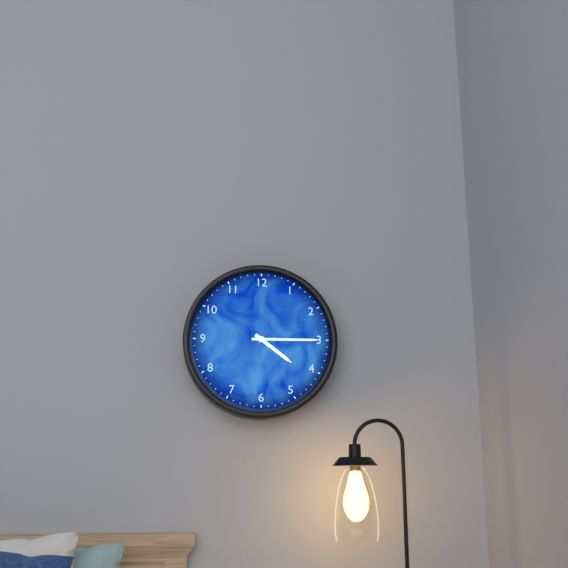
4:15
